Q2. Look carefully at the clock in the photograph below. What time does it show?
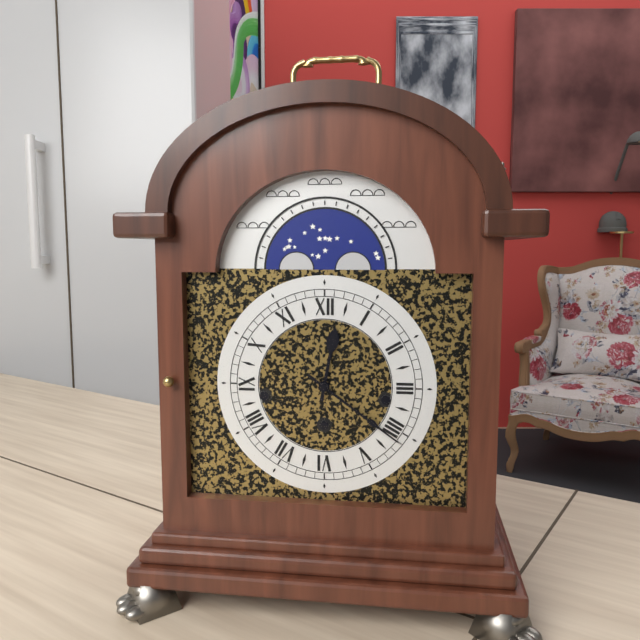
12:21
